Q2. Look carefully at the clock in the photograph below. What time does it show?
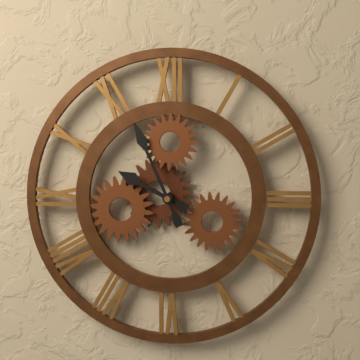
9:56
